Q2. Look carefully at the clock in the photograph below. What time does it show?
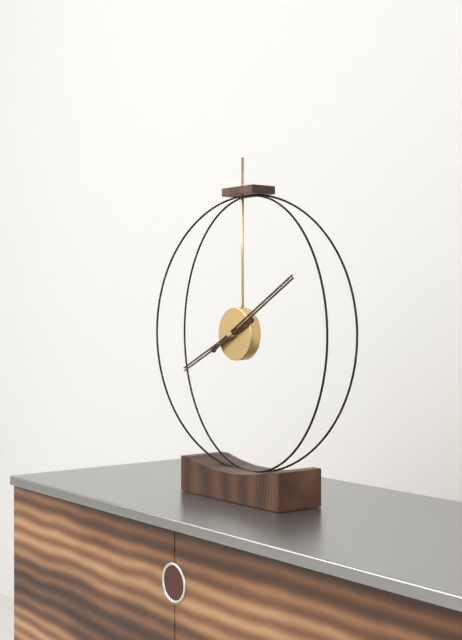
8:10
